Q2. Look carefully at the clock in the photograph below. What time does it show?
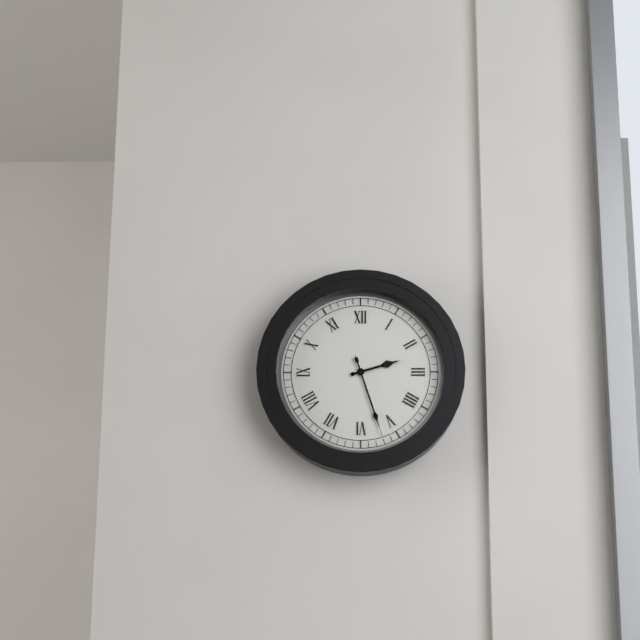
2:27:27
